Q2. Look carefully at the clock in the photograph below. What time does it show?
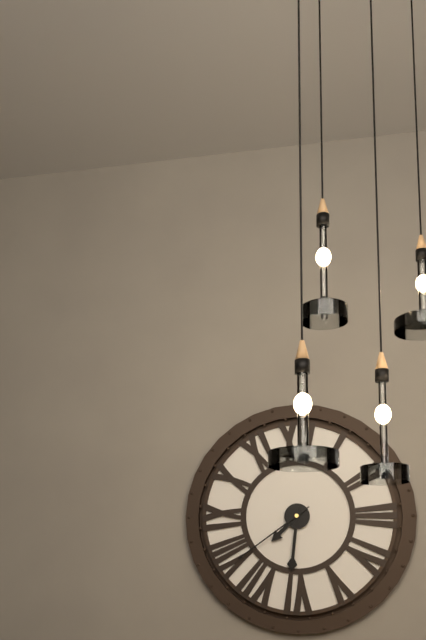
7:31:39
